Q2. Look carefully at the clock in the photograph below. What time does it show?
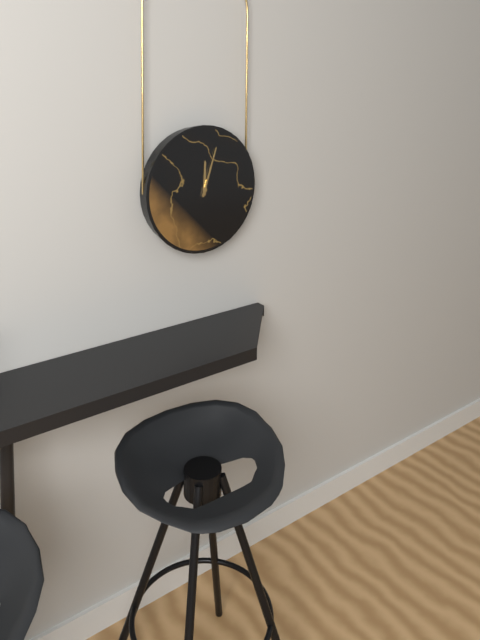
12:03
